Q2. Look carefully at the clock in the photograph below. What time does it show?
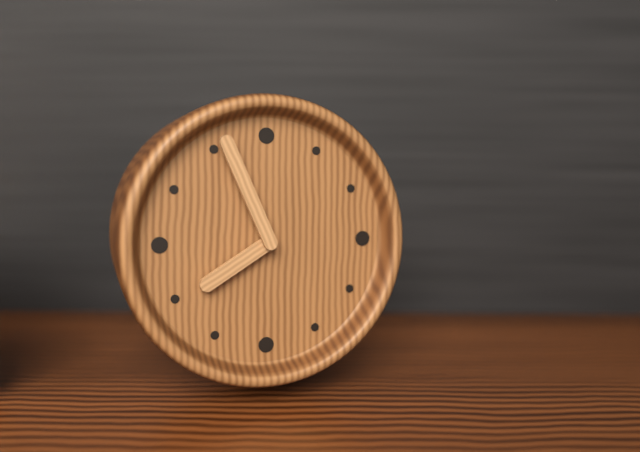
7:56
